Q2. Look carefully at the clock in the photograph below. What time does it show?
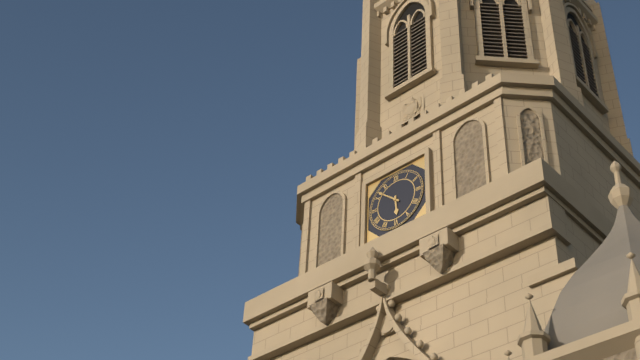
5:52
